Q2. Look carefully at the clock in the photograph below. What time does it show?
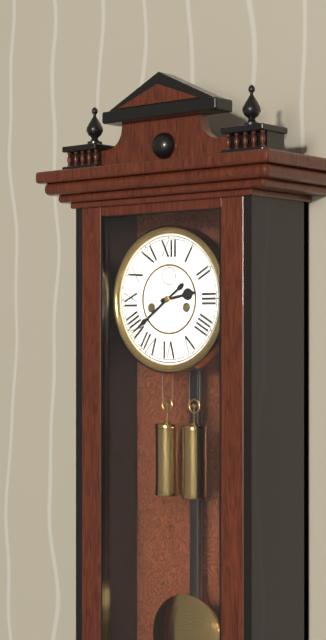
2:39
